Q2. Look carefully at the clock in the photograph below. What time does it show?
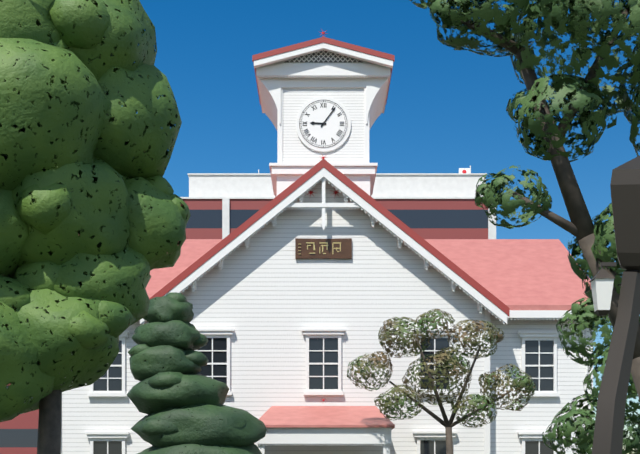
9:06
